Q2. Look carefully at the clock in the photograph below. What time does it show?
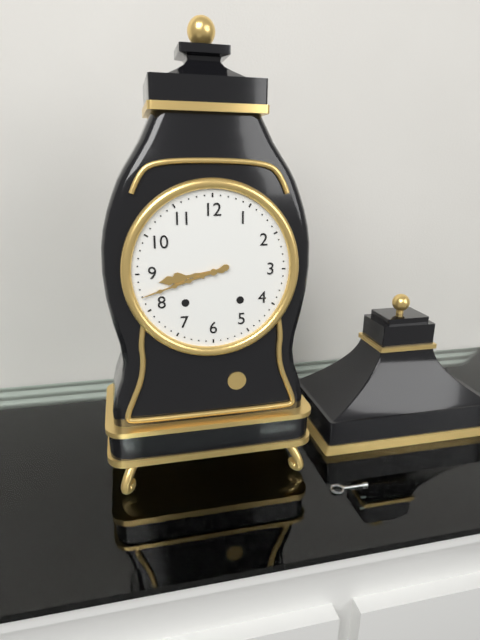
8:42
